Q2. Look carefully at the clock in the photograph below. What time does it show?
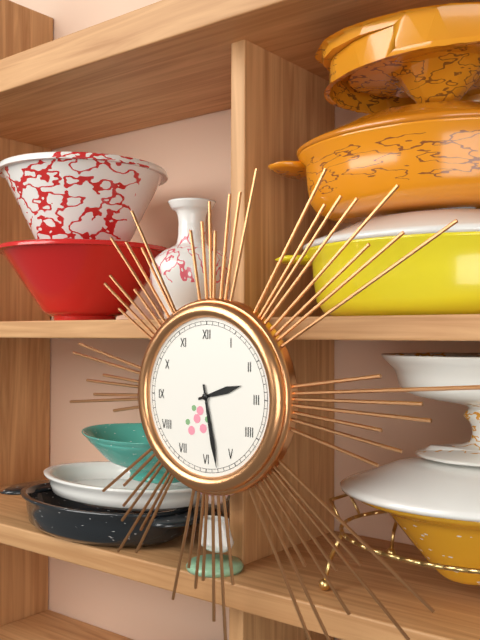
2:28
